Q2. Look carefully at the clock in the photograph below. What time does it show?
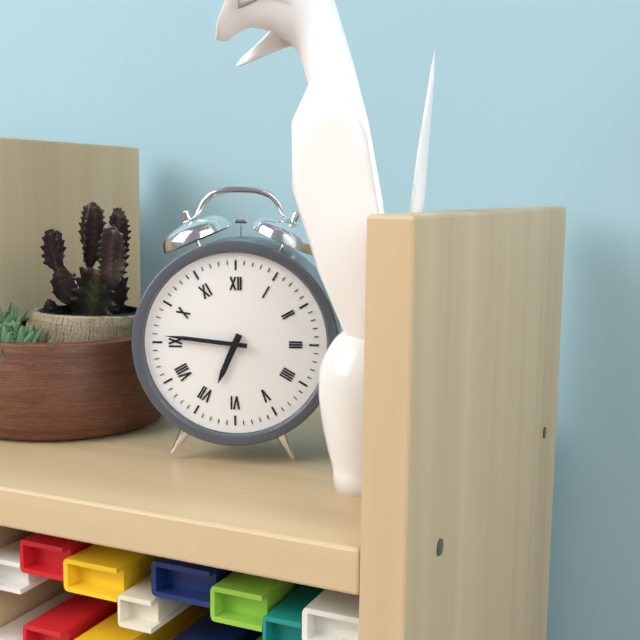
6:46
